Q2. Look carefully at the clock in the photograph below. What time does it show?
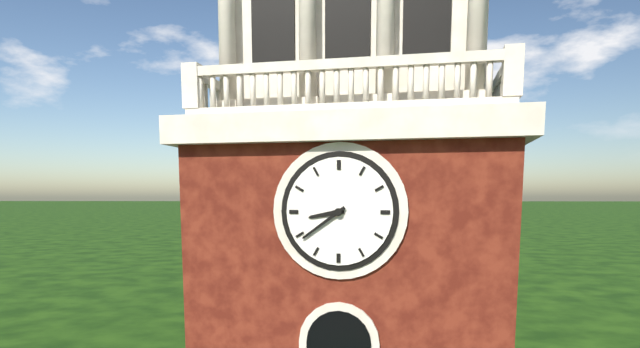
8:39
